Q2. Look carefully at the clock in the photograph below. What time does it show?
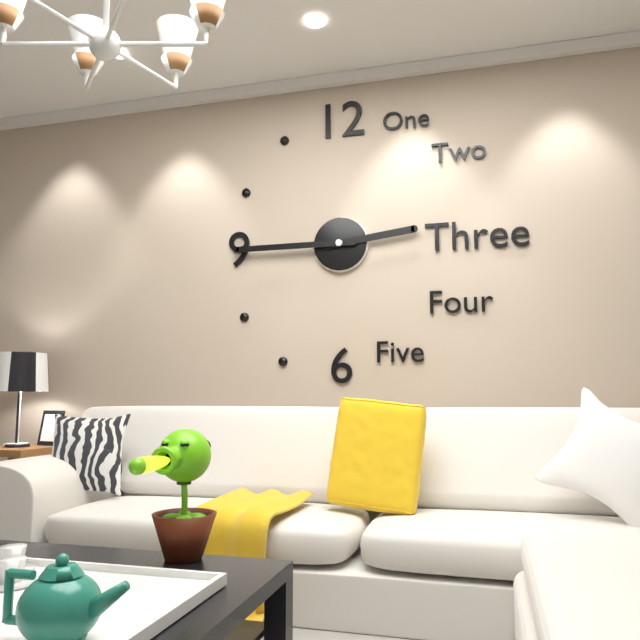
2:45
